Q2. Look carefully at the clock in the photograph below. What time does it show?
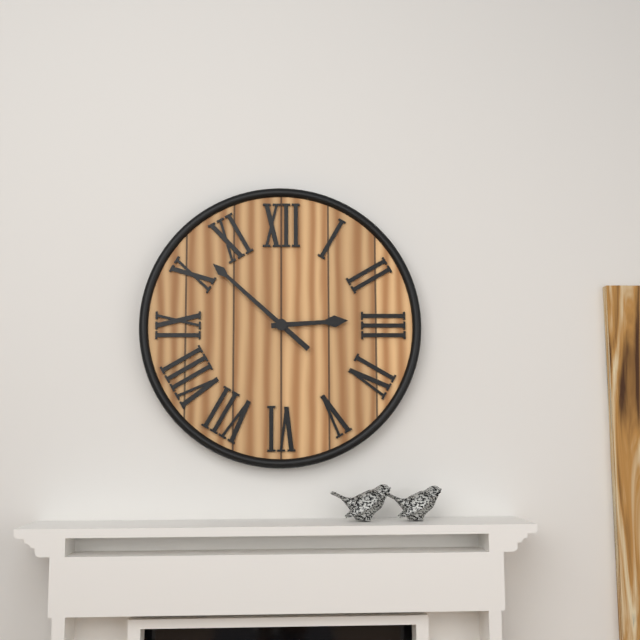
2:52
